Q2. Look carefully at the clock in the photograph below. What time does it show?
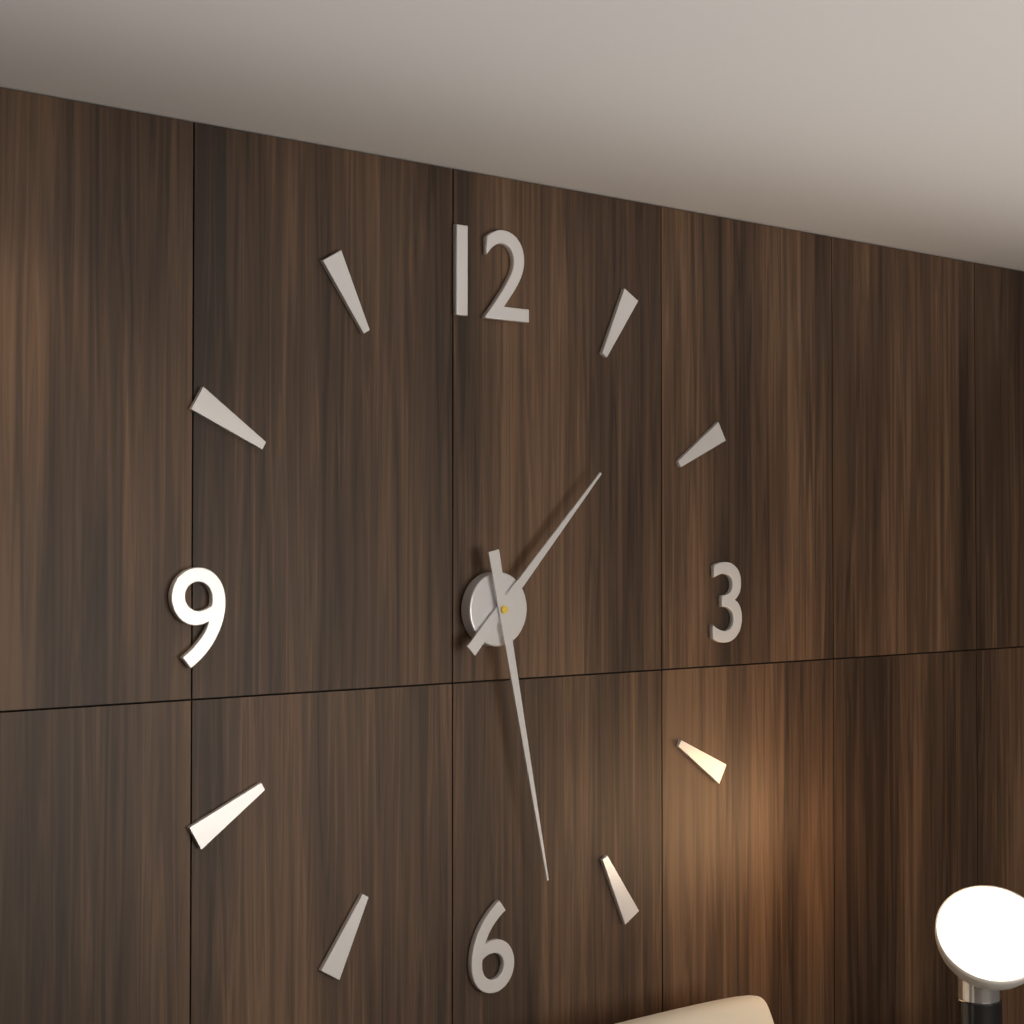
1:28
